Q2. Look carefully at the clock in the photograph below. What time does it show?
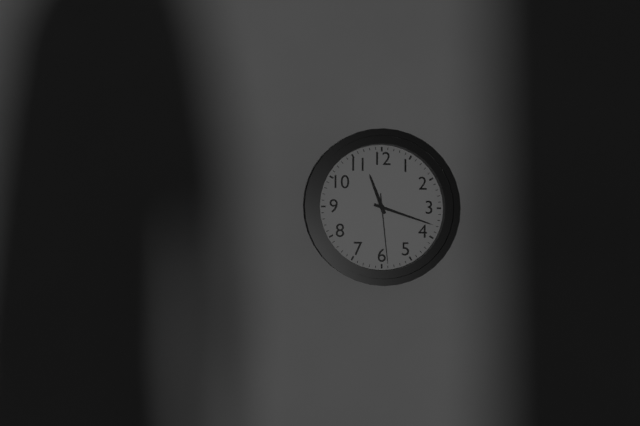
11:18:29
